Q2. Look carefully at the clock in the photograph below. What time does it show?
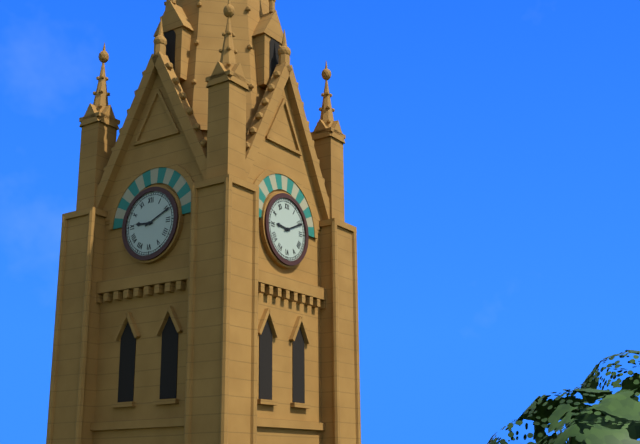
9:11
